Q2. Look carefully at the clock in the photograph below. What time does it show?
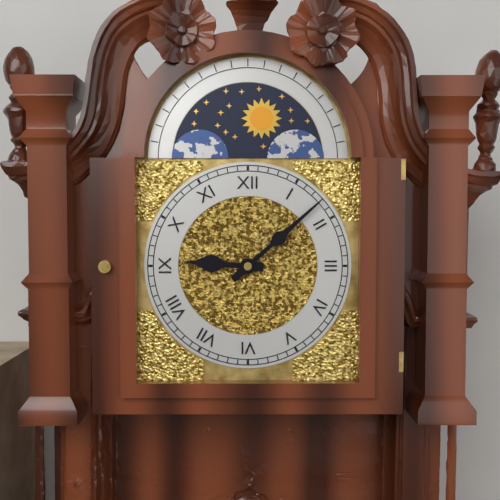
9:08
